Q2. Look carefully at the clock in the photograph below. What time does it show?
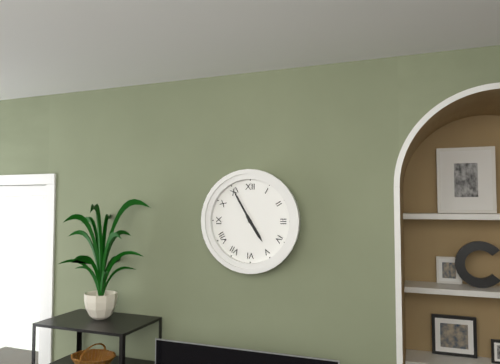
4:55
